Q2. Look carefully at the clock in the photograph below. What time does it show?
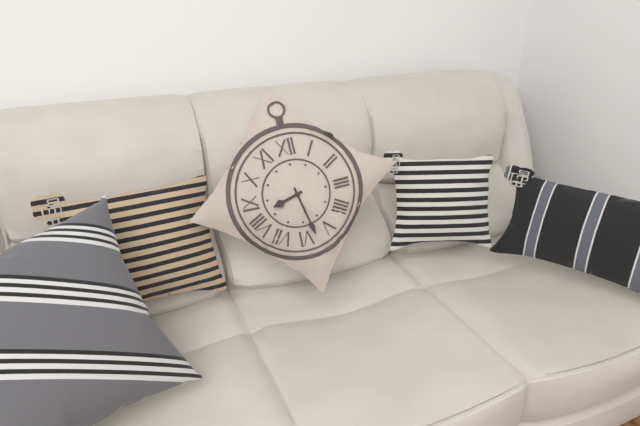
8:28
